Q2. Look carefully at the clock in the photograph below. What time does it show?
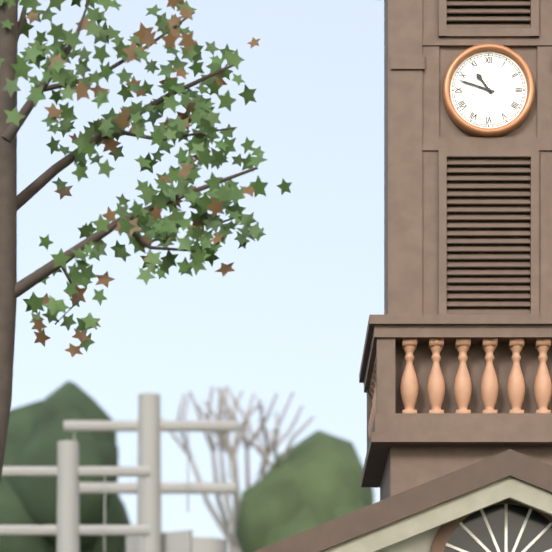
10:48
